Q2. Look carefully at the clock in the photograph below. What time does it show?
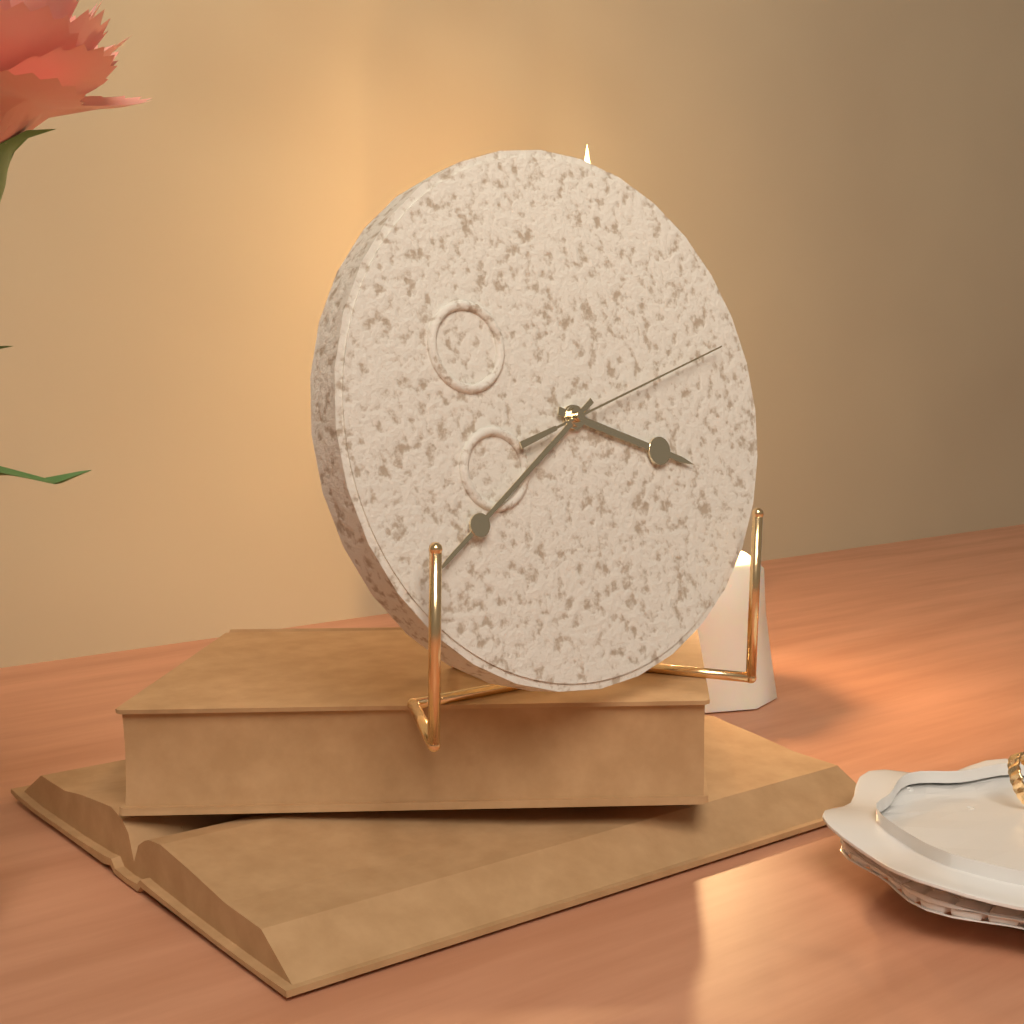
3:39:12
